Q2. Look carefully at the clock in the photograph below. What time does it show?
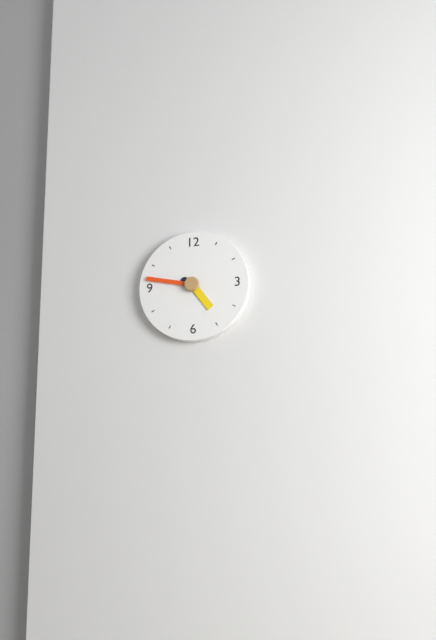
4:47
